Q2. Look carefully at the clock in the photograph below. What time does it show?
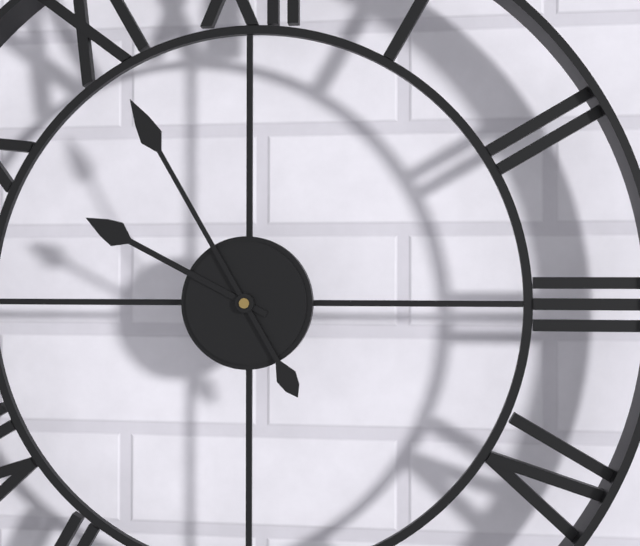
9:55
